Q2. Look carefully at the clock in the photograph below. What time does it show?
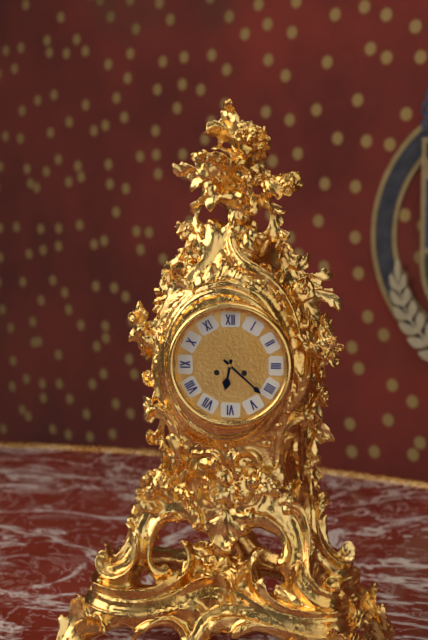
6:22
